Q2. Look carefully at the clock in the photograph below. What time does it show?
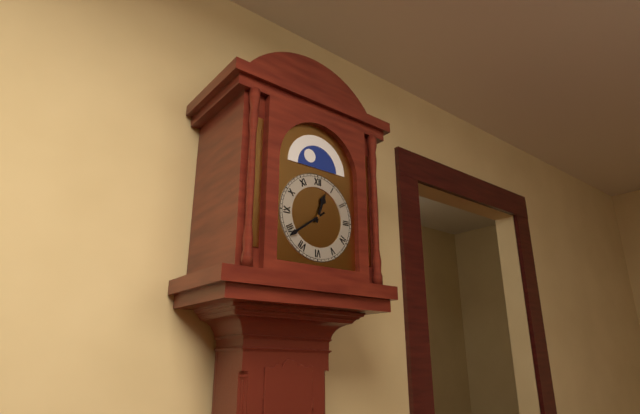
12:39
